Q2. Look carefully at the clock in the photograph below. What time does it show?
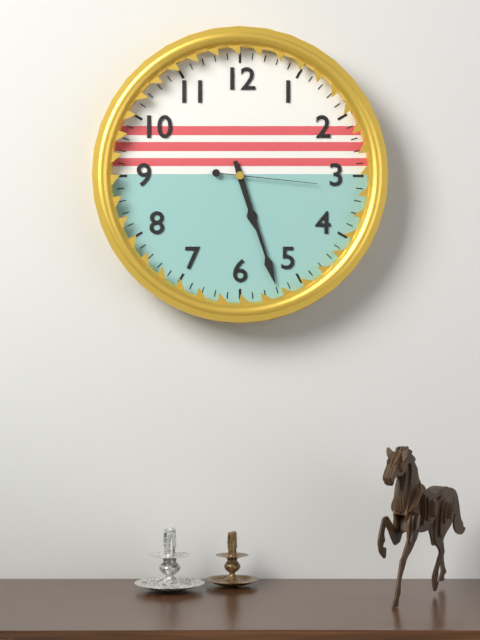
5:27:16
